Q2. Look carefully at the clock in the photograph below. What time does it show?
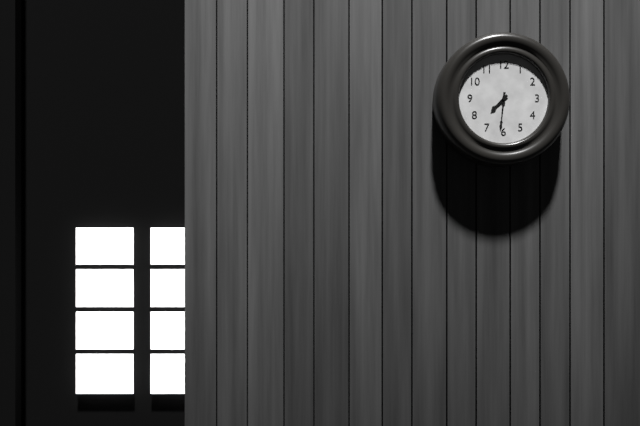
7:31
